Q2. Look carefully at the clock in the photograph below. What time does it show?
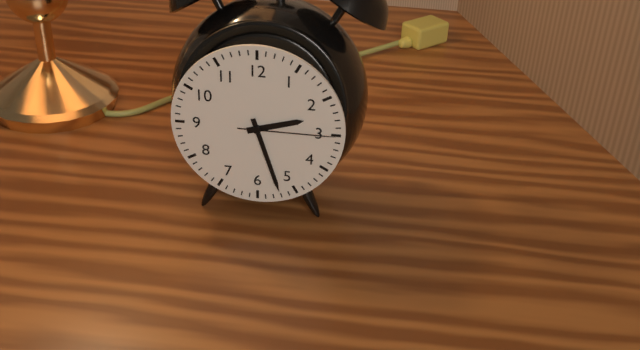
2:27:15
